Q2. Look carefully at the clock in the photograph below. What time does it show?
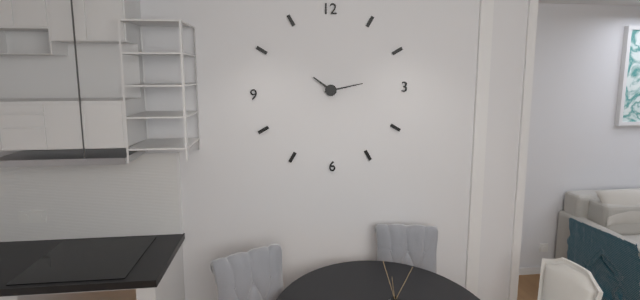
10:13
